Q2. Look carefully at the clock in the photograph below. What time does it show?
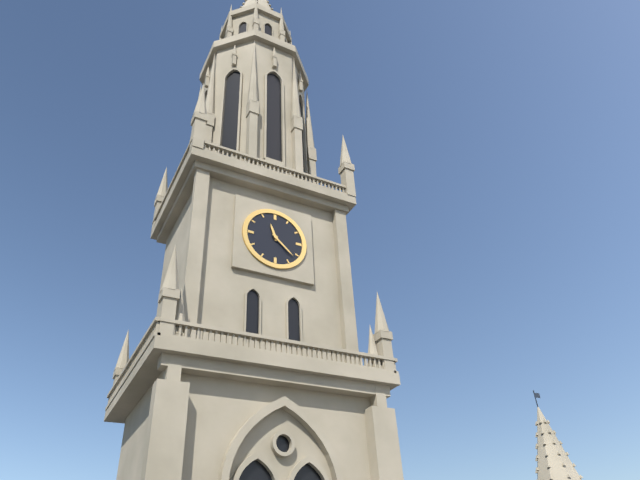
11:22
